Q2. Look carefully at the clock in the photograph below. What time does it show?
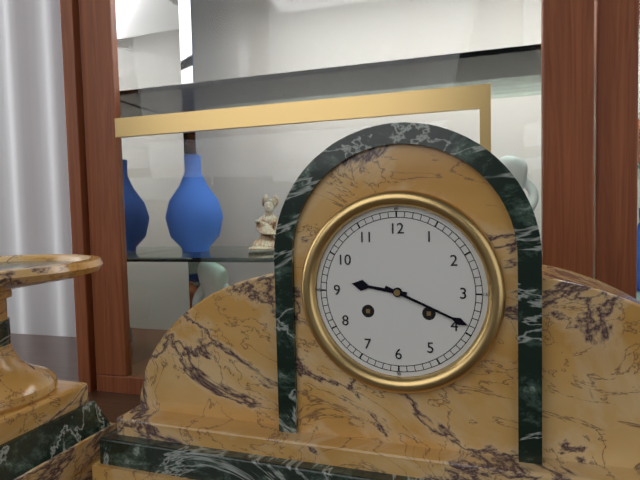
9:19
